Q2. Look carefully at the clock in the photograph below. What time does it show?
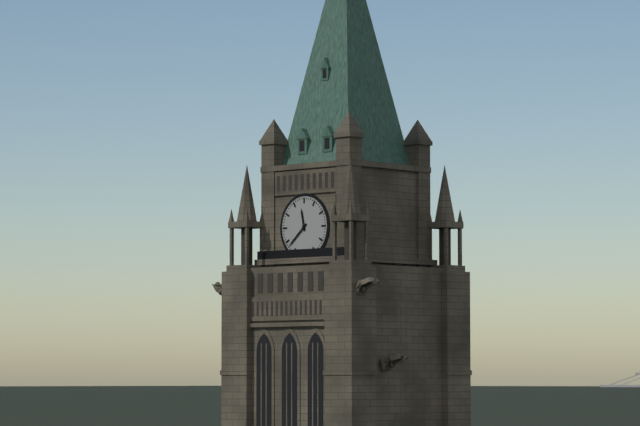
11:38
